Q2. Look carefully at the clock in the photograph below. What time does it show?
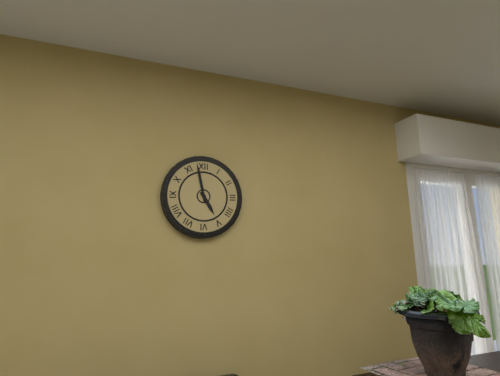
4:58
